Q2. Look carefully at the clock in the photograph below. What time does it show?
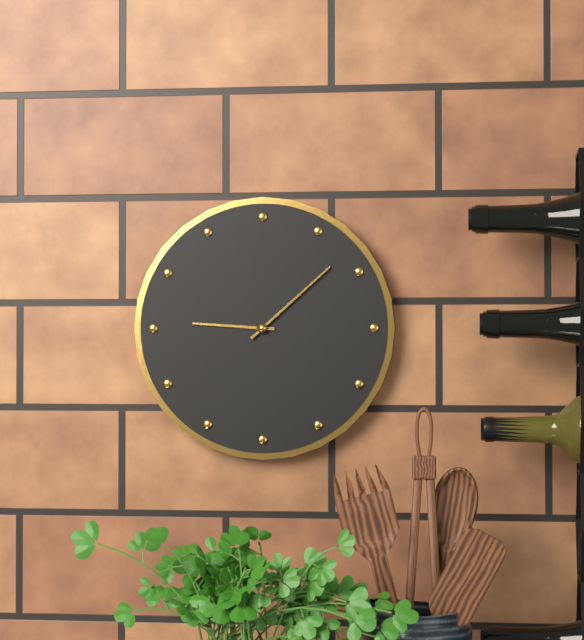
9:08
